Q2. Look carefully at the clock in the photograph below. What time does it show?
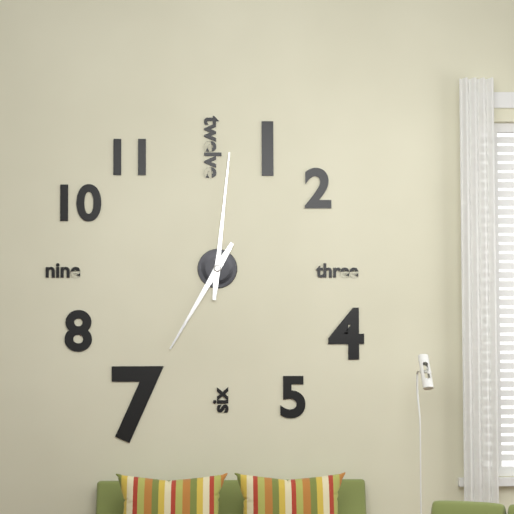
7:01
